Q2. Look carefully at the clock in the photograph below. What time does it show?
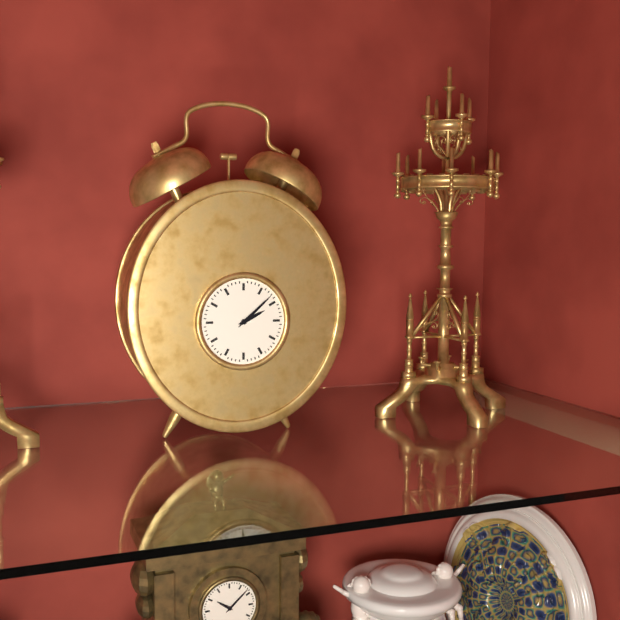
2:08
